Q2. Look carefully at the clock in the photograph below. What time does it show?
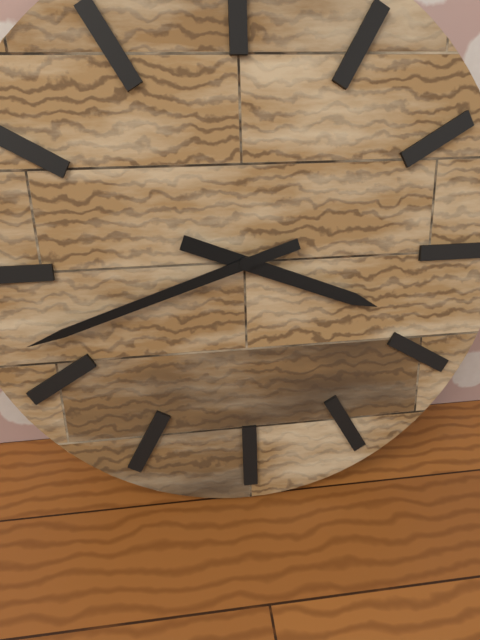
3:42
